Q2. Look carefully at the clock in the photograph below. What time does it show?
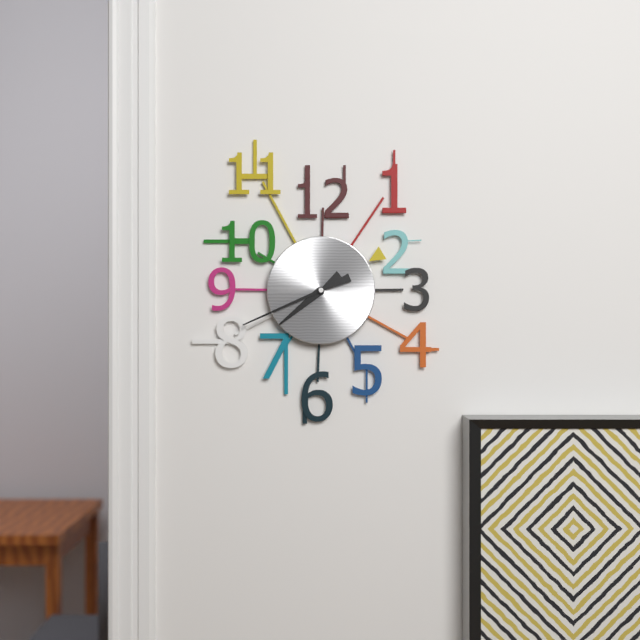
7:41
